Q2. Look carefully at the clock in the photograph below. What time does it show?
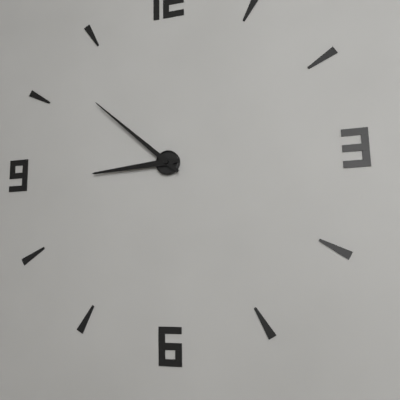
8:52
